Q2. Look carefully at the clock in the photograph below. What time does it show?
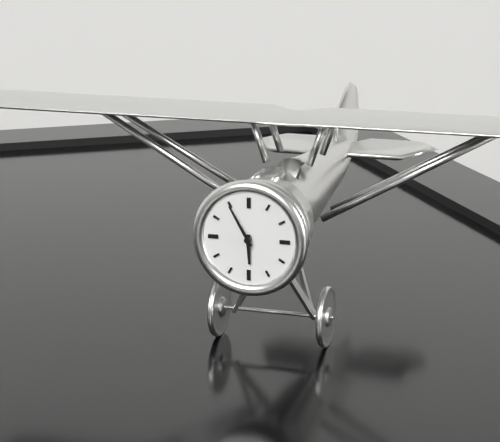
5:55
